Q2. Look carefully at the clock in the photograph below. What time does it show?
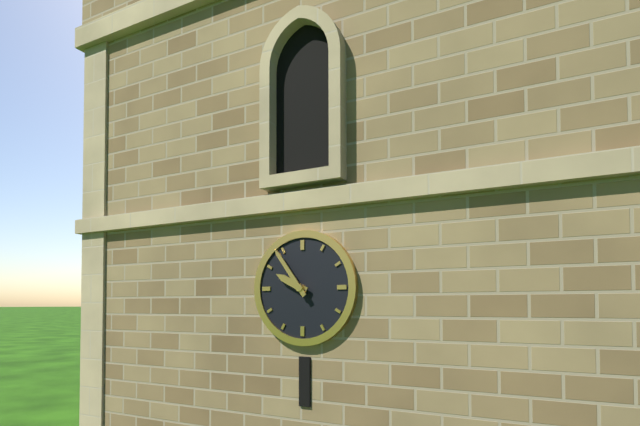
9:54
